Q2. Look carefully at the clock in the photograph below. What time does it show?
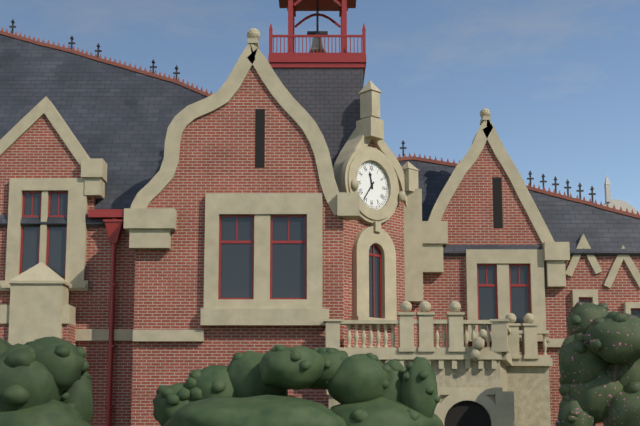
11:36
